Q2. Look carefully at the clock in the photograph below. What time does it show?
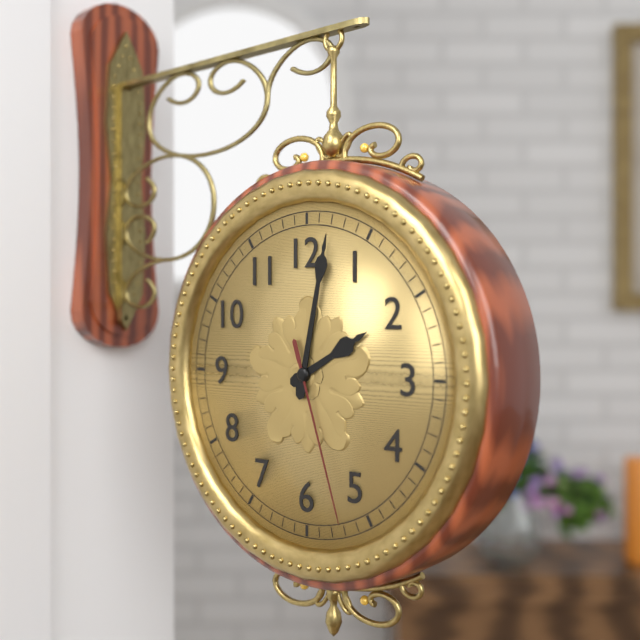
2:02:27
